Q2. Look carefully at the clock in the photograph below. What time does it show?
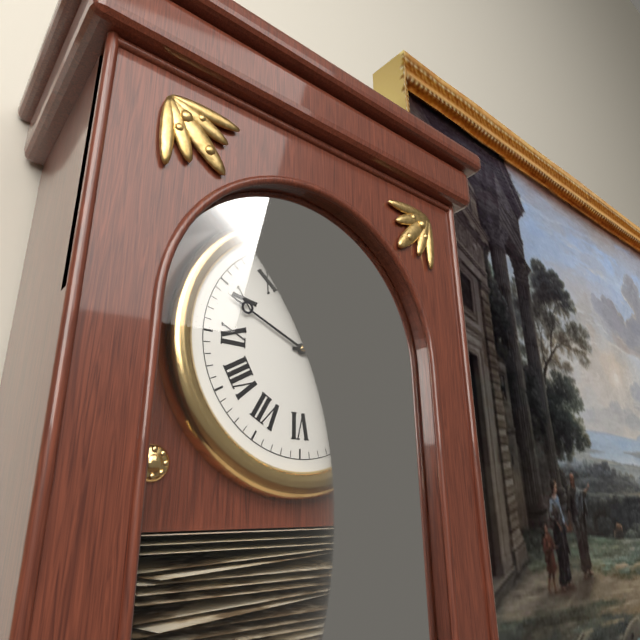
2:49
